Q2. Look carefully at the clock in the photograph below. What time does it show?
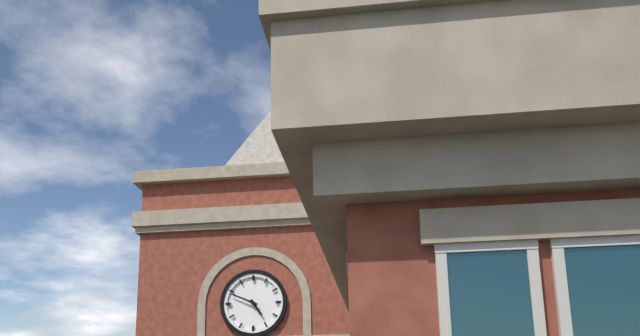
4:49
